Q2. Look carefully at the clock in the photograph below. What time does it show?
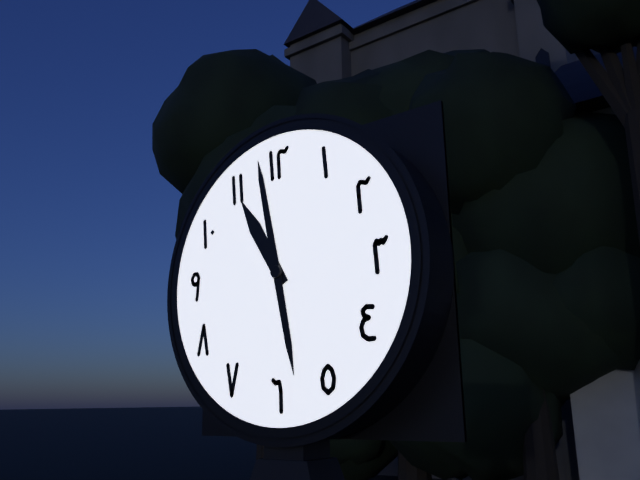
10:58
